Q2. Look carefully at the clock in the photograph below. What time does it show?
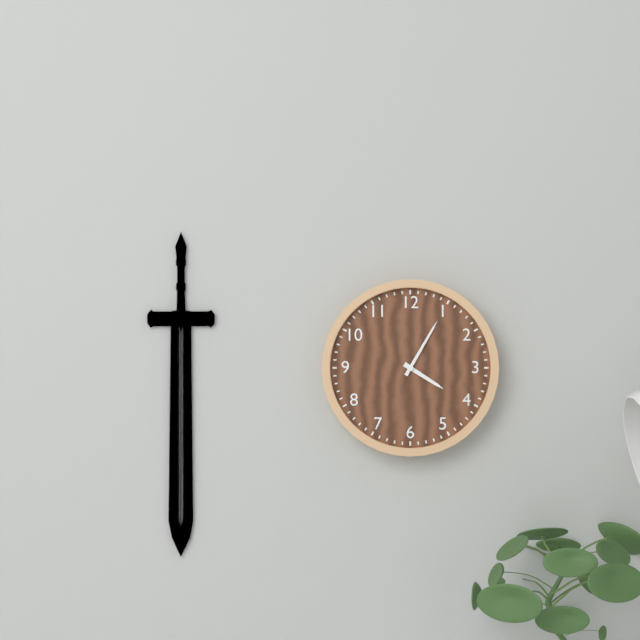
4:05
